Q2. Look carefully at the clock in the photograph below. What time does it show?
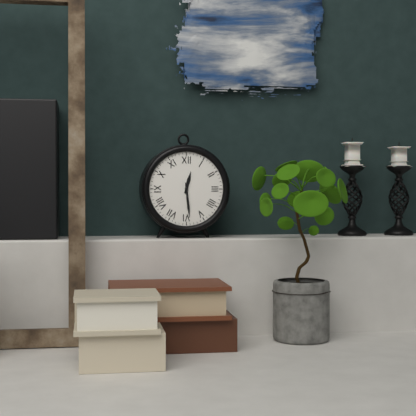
12:29
